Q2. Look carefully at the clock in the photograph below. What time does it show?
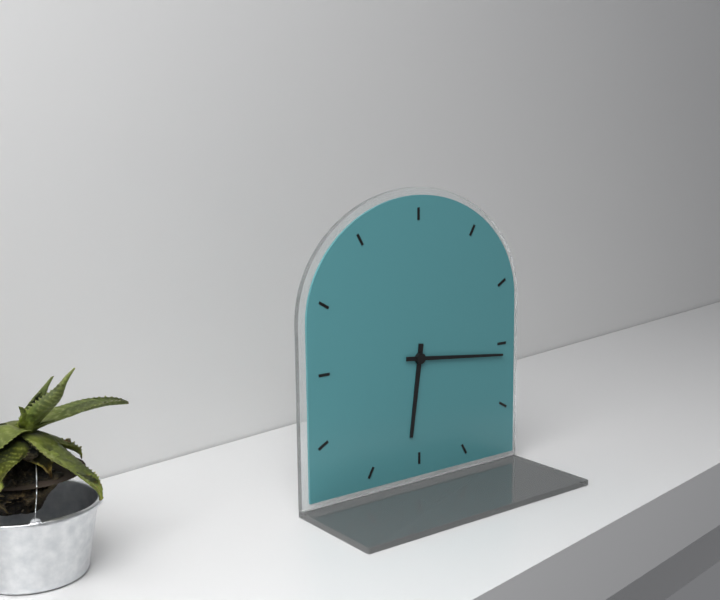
6:16
